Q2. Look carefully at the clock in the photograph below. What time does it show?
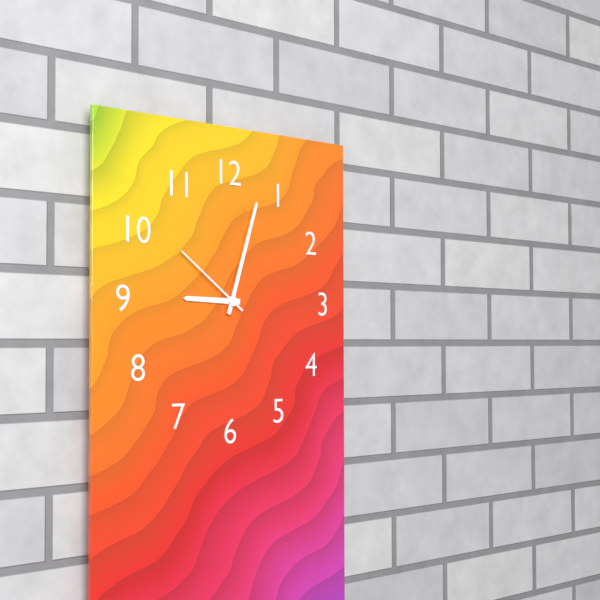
9:03:51
